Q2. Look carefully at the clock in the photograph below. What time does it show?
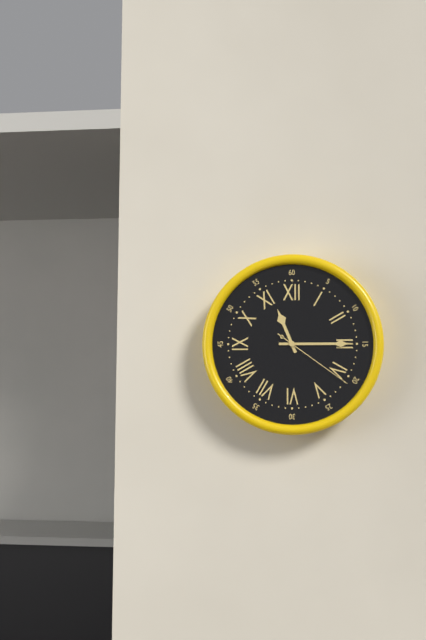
11:15:21
